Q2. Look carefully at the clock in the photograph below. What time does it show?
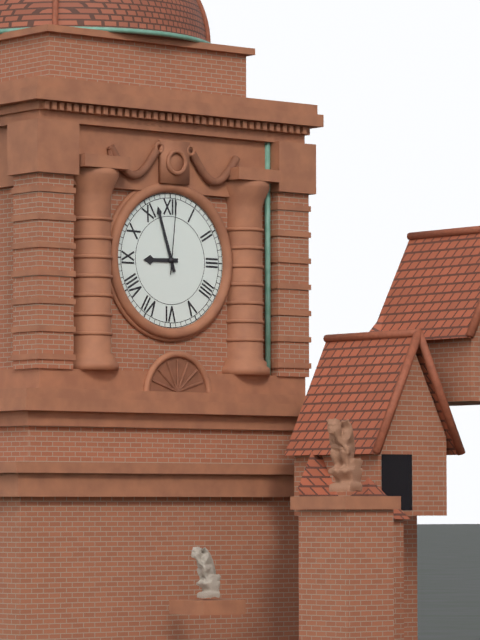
8:57:01
